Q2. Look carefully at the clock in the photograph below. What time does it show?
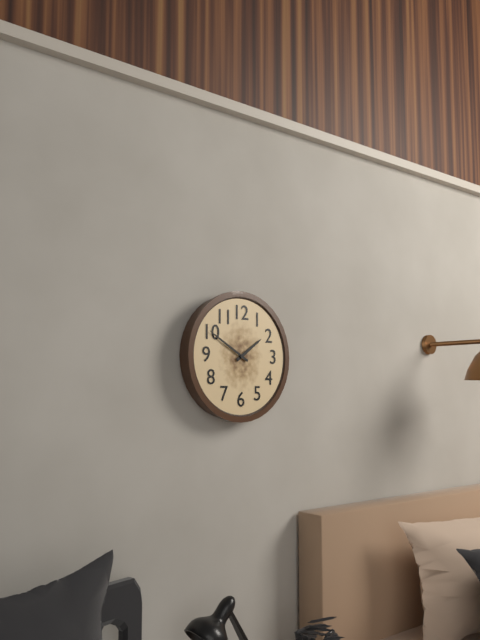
1:50
